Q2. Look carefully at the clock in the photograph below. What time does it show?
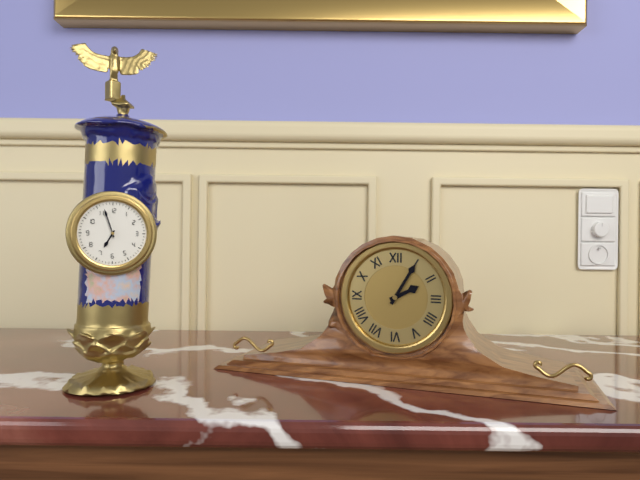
6:57
